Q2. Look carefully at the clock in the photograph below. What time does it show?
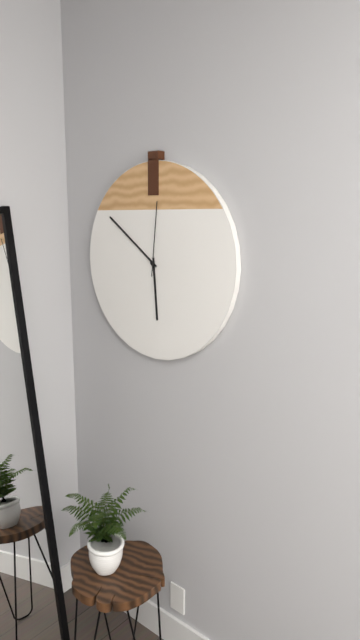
5:51:01
